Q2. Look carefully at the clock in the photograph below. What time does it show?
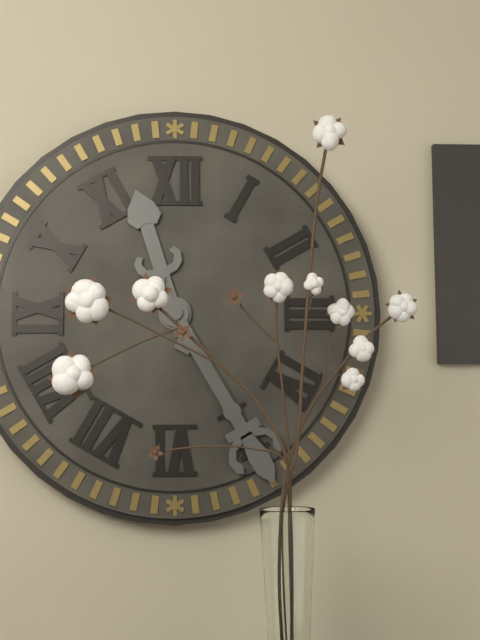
11:25
